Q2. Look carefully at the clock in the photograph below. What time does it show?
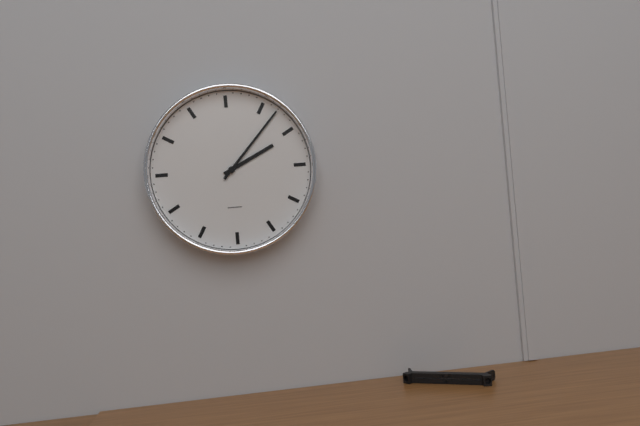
2:07
